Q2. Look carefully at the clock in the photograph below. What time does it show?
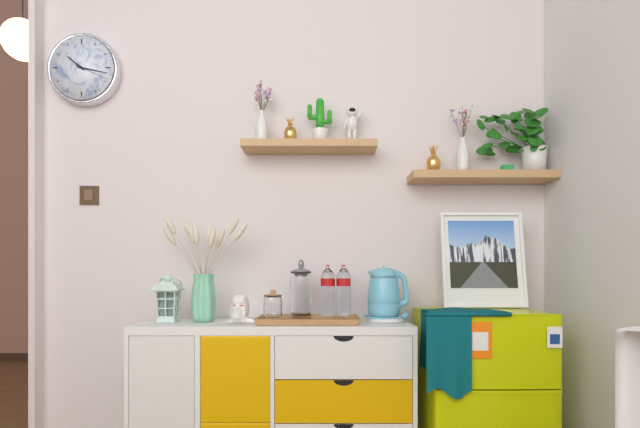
10:17
